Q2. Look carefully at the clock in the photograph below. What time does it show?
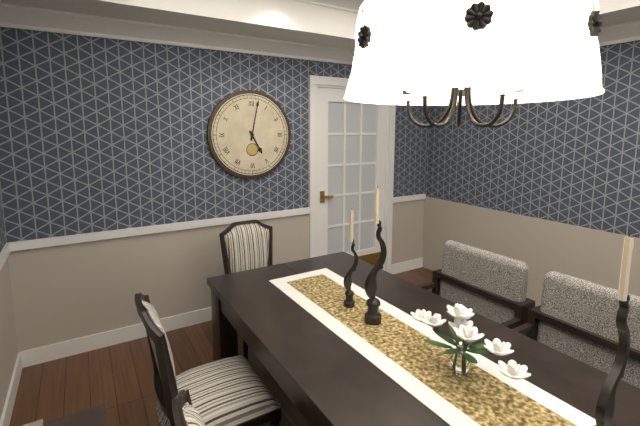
5:02
